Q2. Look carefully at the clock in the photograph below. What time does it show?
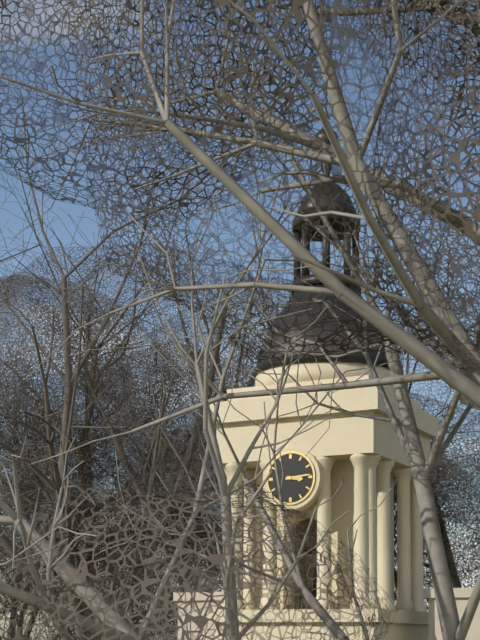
3:14
